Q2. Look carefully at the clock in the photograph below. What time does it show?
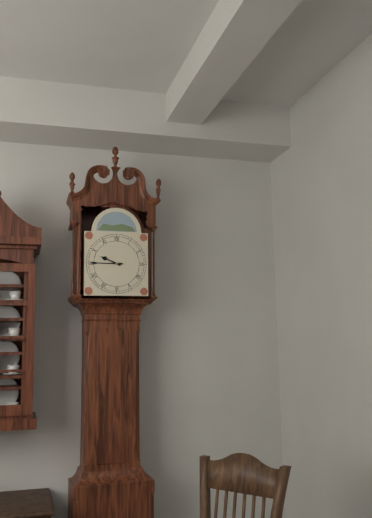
9:45
